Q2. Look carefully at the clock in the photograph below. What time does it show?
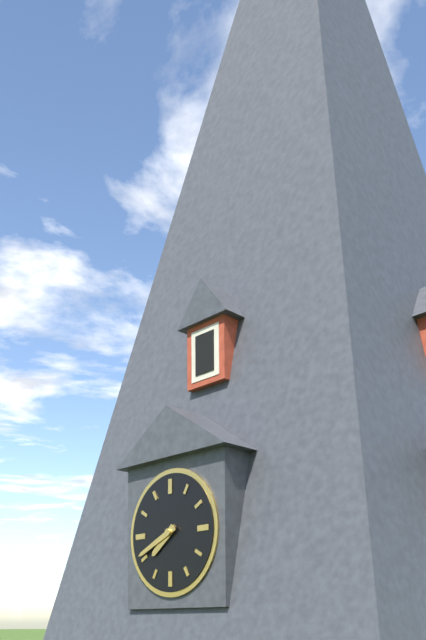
7:41
